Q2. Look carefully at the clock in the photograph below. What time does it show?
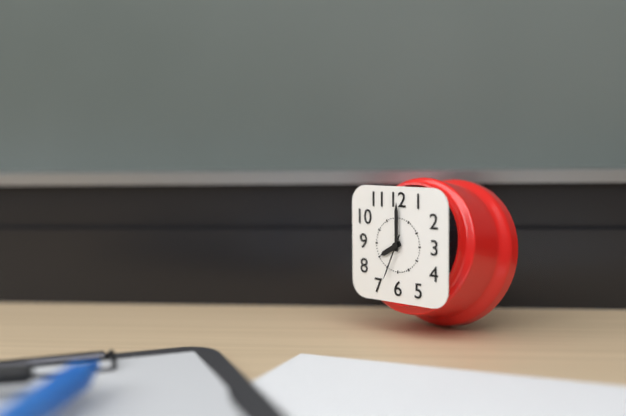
8:00
